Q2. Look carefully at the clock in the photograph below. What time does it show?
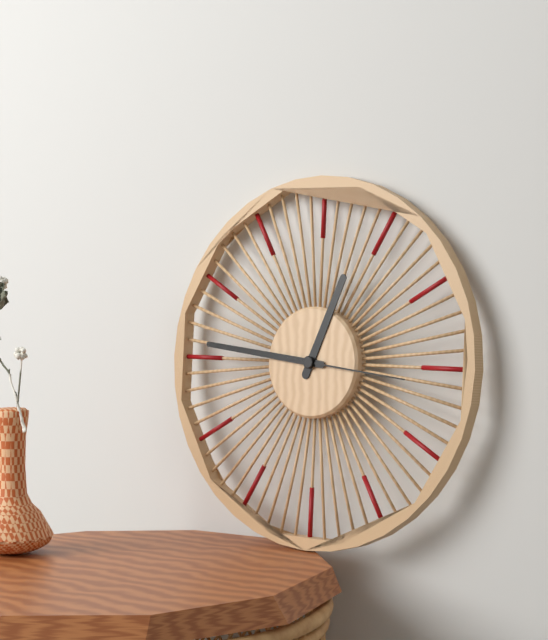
12:46:16
